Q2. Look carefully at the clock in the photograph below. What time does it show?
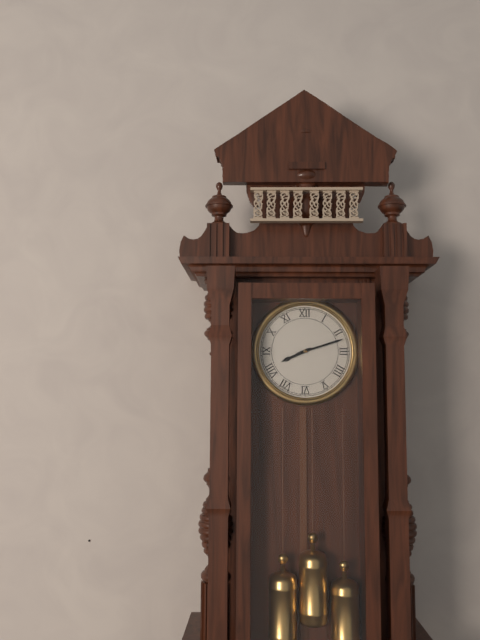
8:12
